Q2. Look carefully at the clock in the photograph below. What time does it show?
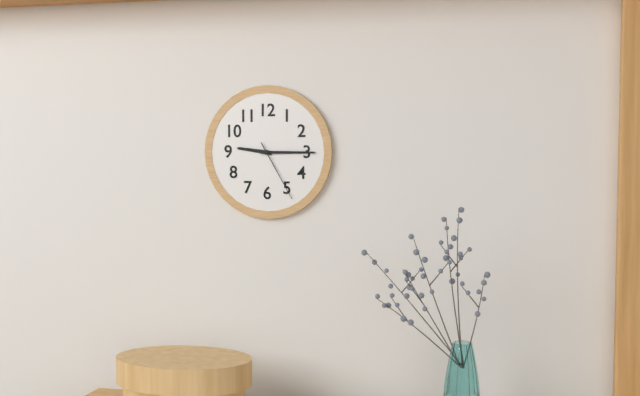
9:15:25
